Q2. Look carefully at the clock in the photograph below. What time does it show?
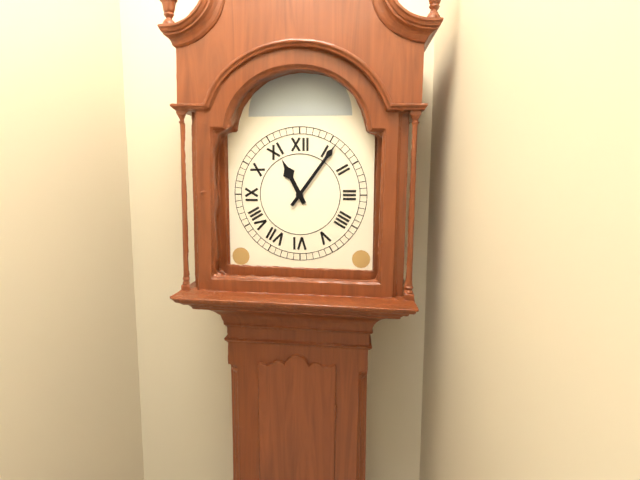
11:06
